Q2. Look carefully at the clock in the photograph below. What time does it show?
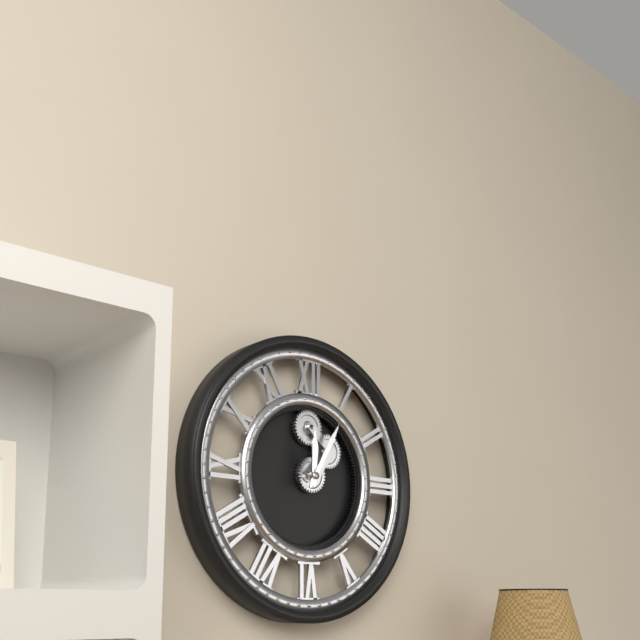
12:05
